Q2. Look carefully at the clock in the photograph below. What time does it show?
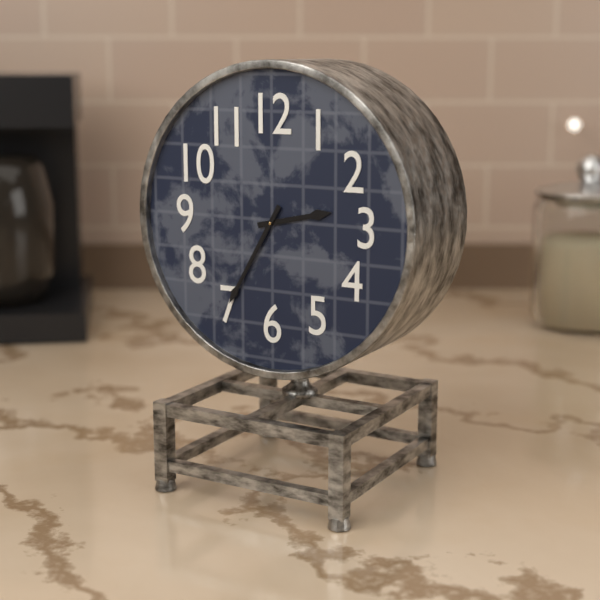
2:35
